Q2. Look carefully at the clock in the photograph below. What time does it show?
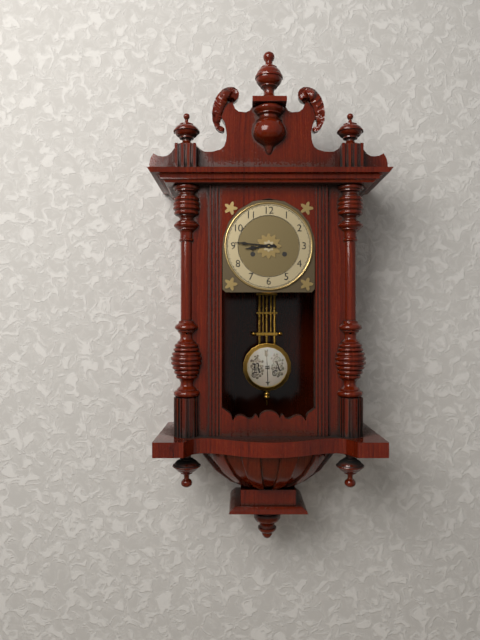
8:46
